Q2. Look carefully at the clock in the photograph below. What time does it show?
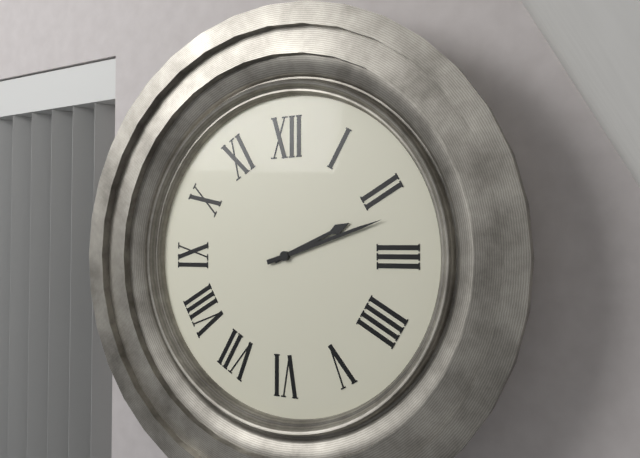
2:12
